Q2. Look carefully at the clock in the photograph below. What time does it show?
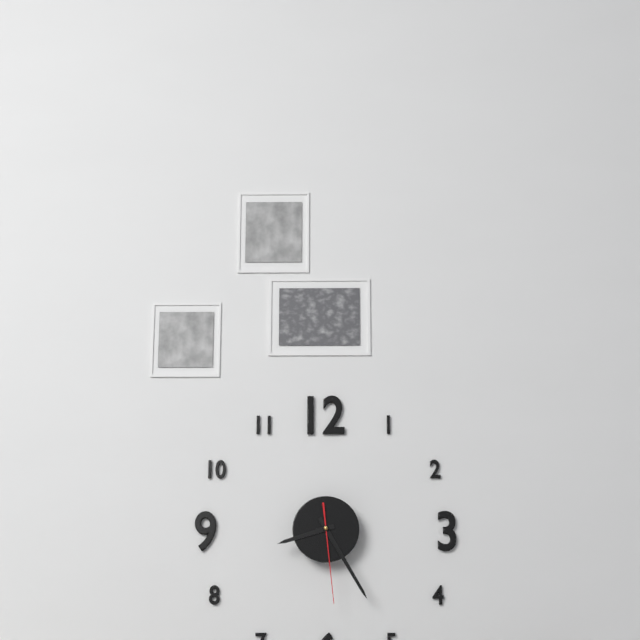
8:25:29
